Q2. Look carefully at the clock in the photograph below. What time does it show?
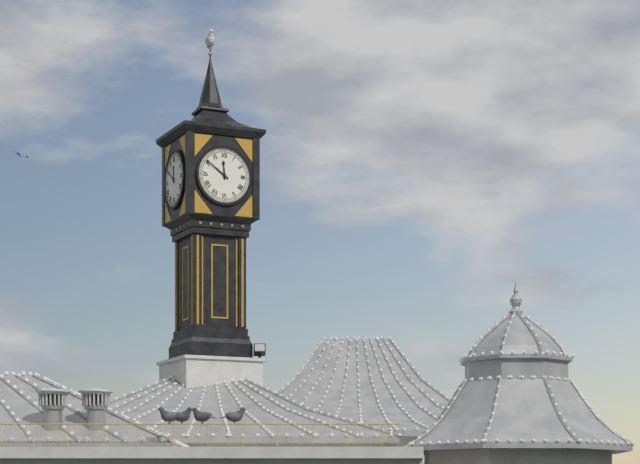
11:51
